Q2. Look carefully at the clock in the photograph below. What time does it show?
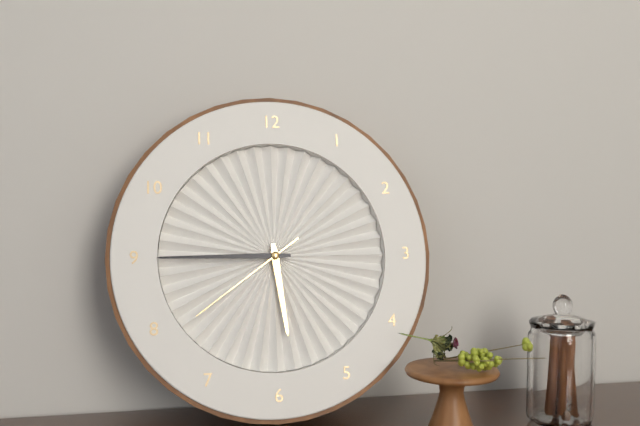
5:45:39
